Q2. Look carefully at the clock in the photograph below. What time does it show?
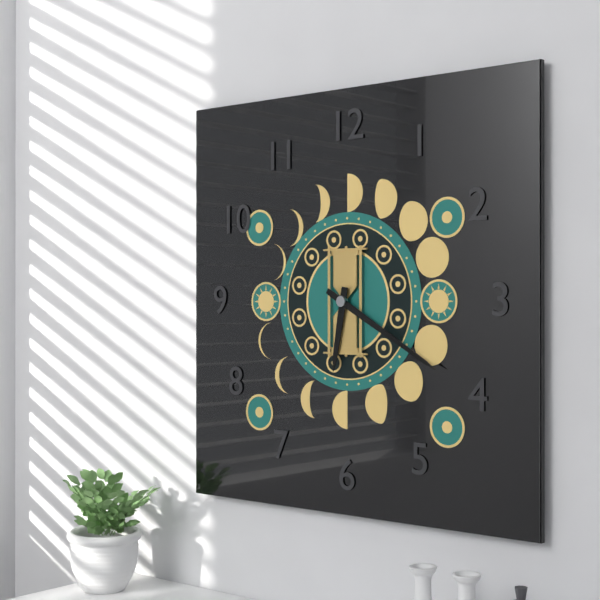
6:20
